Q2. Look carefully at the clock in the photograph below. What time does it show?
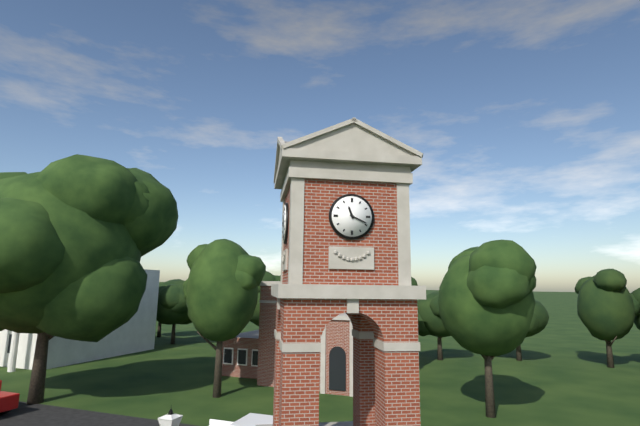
11:19
